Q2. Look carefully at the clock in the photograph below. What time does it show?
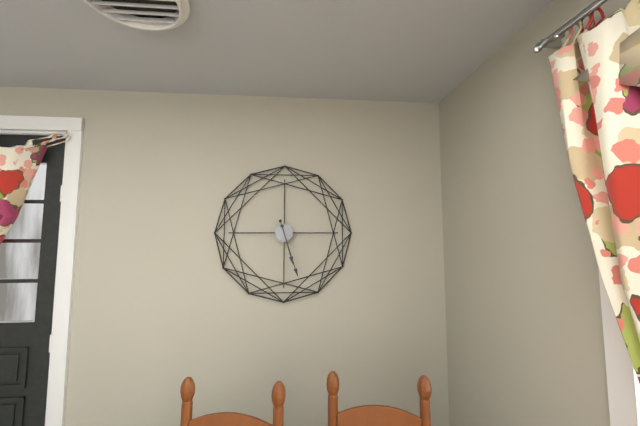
5:27
